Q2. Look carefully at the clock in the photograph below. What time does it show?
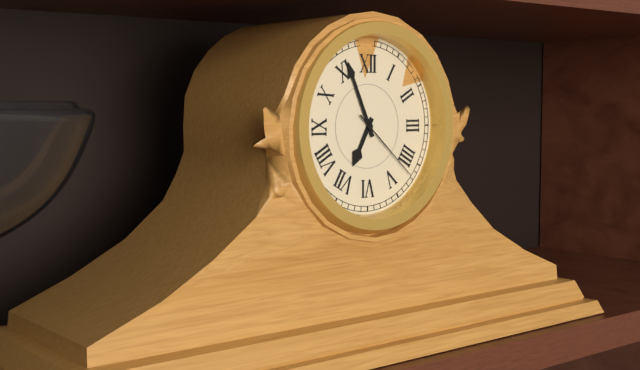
6:56:22
